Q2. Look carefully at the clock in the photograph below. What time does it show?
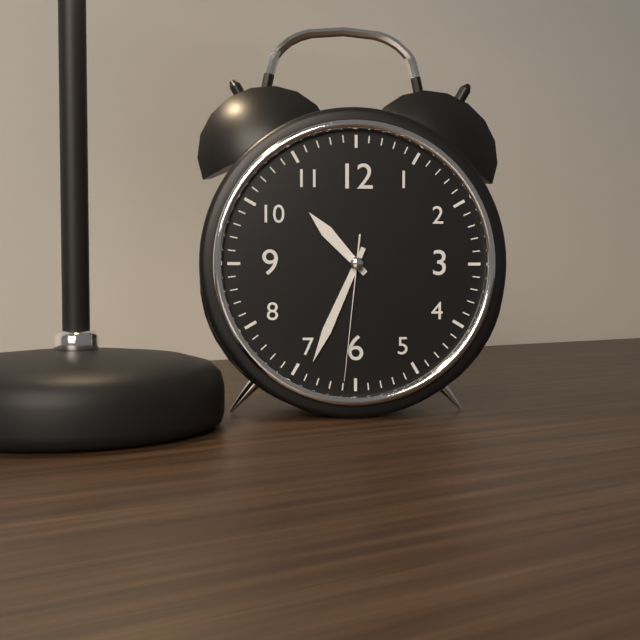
10:34:31
